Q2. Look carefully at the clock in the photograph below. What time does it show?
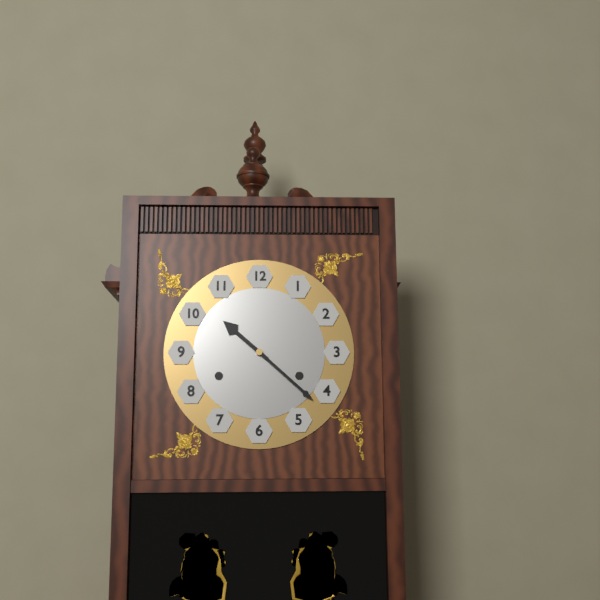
10:22
